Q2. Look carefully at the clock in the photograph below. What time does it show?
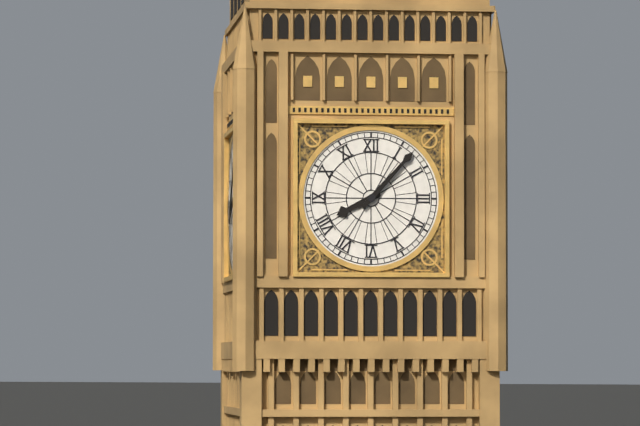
8:07
